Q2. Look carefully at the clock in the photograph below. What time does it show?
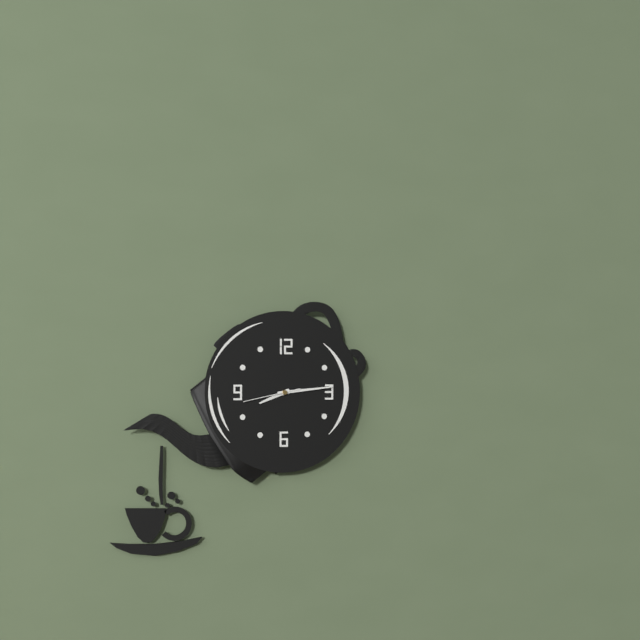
8:14:43
